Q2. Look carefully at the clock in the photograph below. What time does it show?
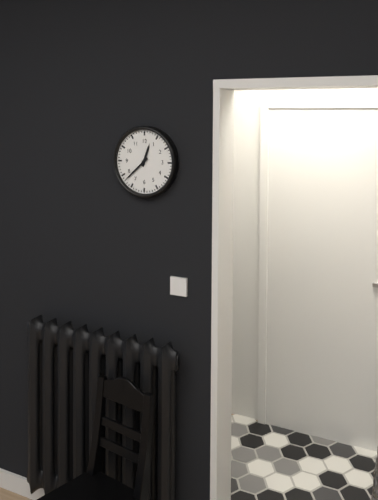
12:38
